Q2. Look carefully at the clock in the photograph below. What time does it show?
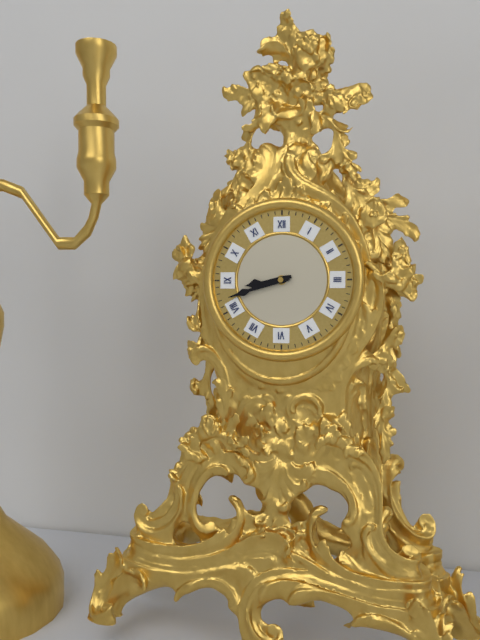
8:42
